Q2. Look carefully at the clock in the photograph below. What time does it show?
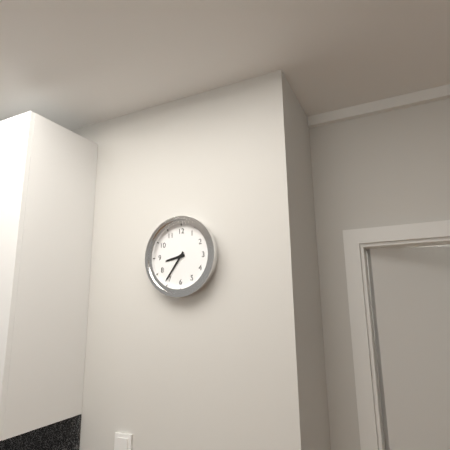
8:36
